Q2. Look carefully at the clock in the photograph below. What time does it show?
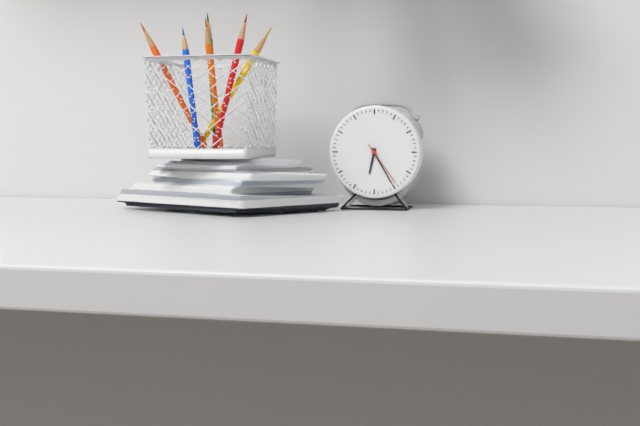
6:25
